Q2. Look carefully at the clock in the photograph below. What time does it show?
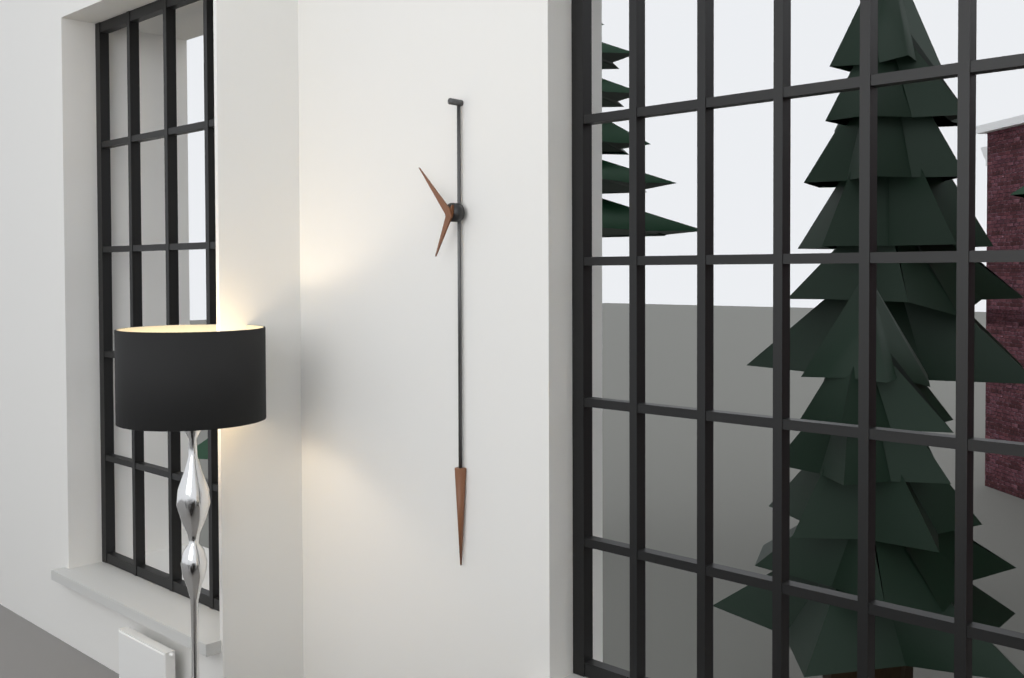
6:53
